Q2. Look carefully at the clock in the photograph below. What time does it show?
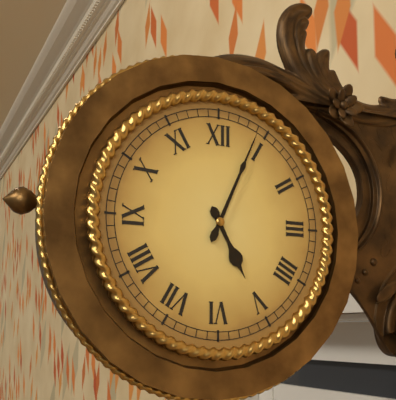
5:04
